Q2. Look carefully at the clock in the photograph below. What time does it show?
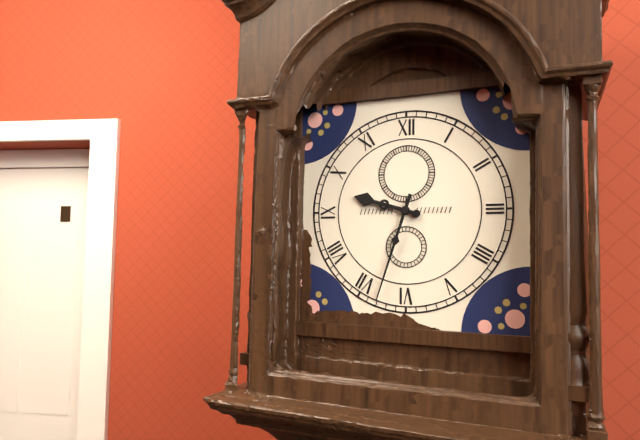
9:33
